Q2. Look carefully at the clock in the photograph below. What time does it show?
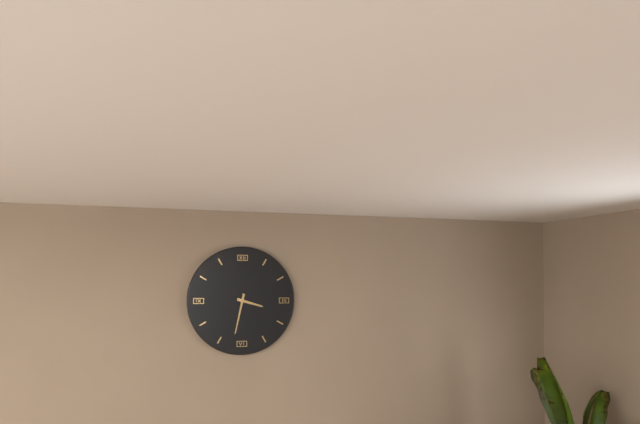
3:32
